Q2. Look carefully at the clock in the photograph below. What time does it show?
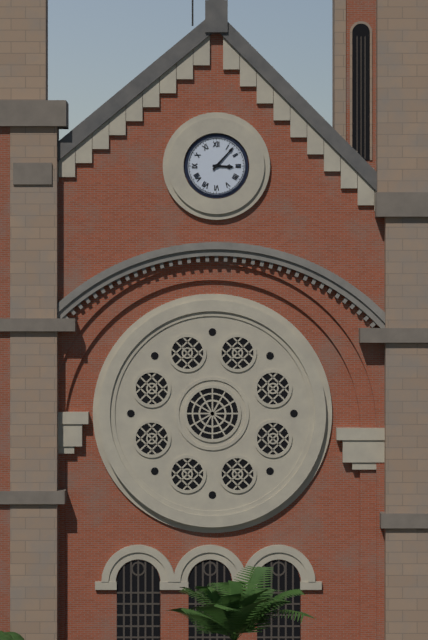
3:07
